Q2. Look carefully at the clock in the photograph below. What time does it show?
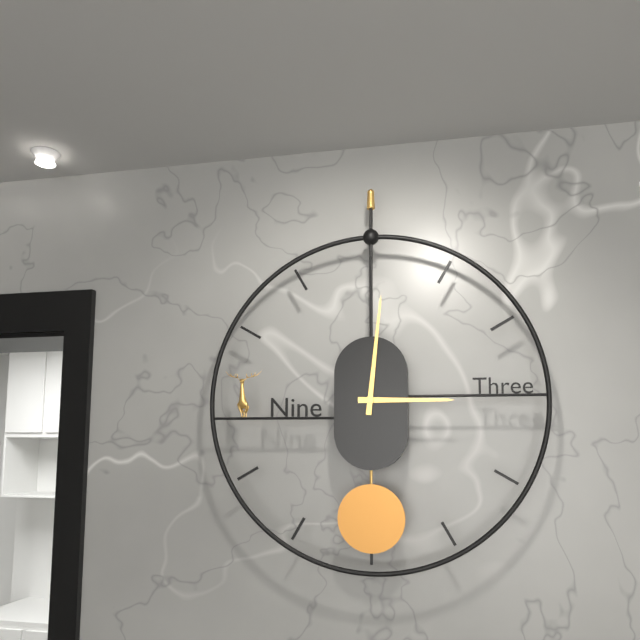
3:01
